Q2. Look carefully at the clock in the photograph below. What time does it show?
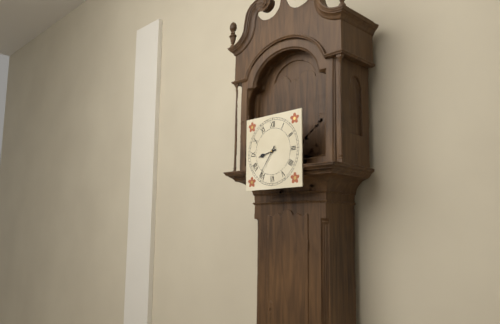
8:36
